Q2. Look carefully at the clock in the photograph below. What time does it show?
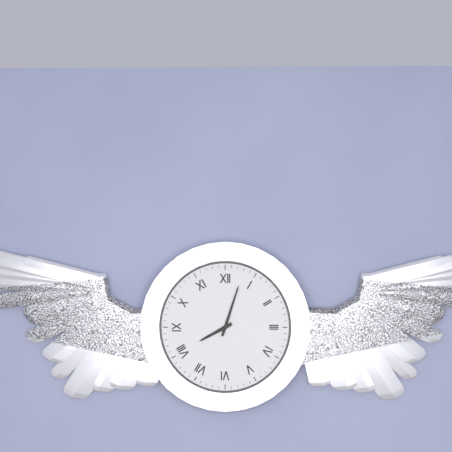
8:03
